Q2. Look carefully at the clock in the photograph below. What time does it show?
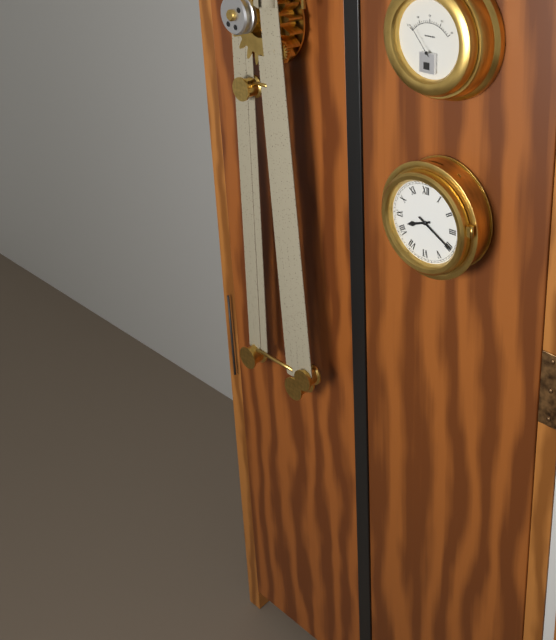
8:20
